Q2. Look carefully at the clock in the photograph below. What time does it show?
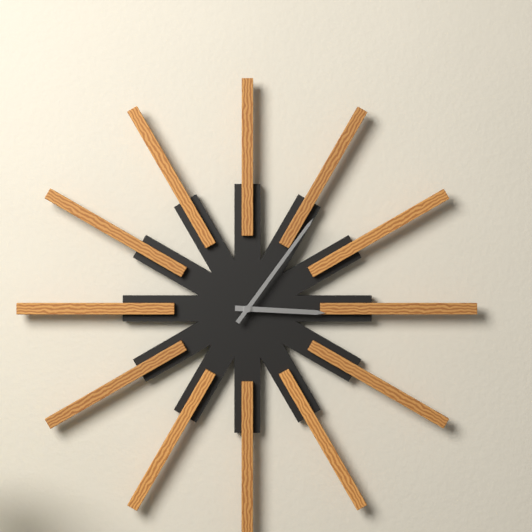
3:06
